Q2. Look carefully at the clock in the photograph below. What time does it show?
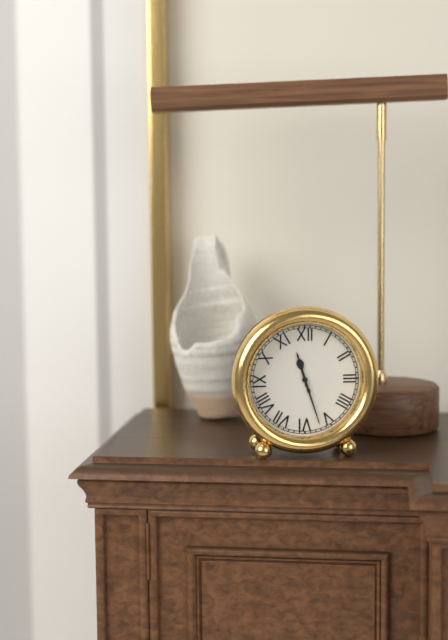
11:27
